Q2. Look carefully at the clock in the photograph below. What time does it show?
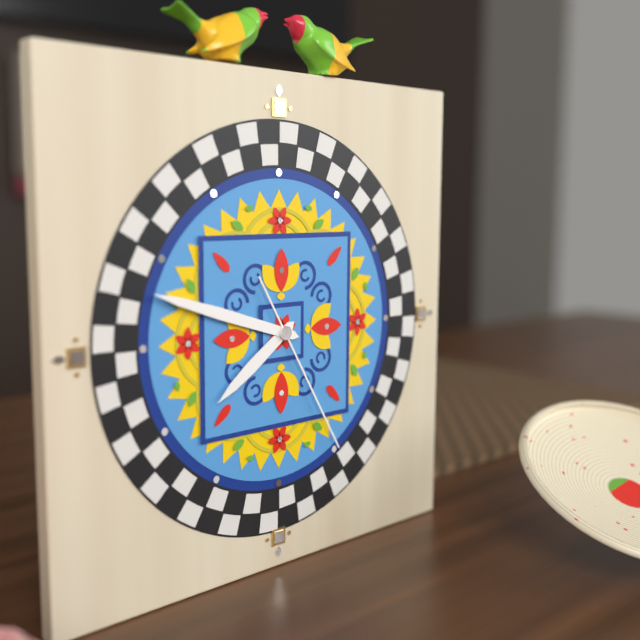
7:48:25
